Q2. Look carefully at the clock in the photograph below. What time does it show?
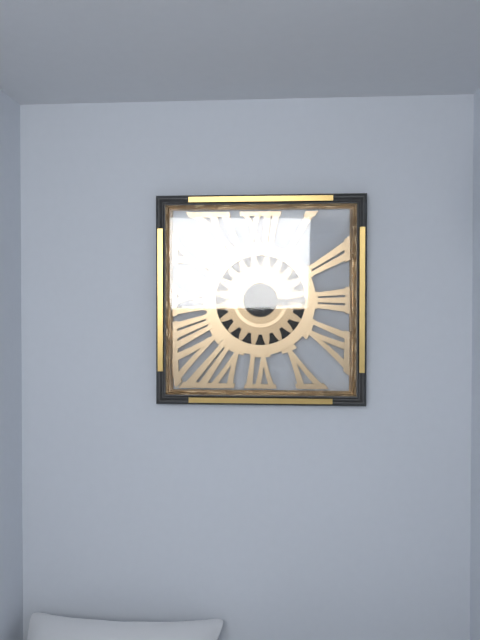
3:15
